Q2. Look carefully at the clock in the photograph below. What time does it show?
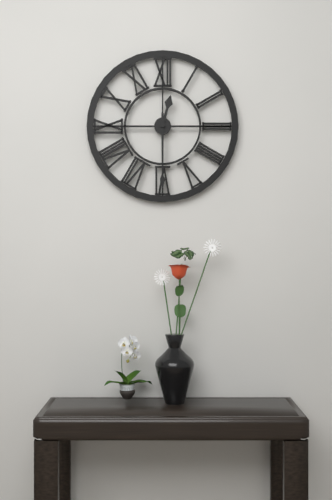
12:30
